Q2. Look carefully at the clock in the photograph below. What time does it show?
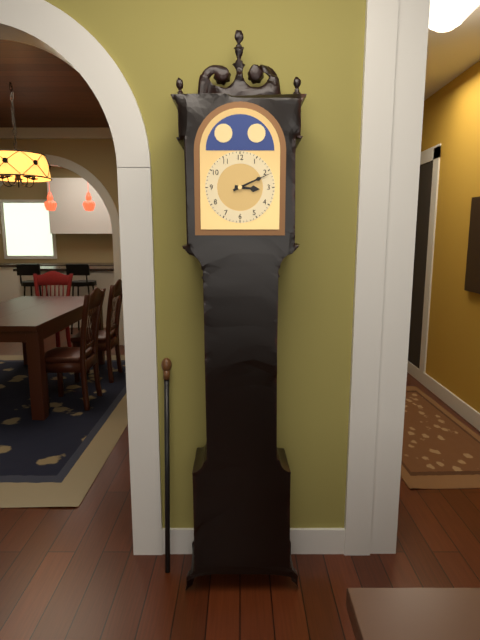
3:11
